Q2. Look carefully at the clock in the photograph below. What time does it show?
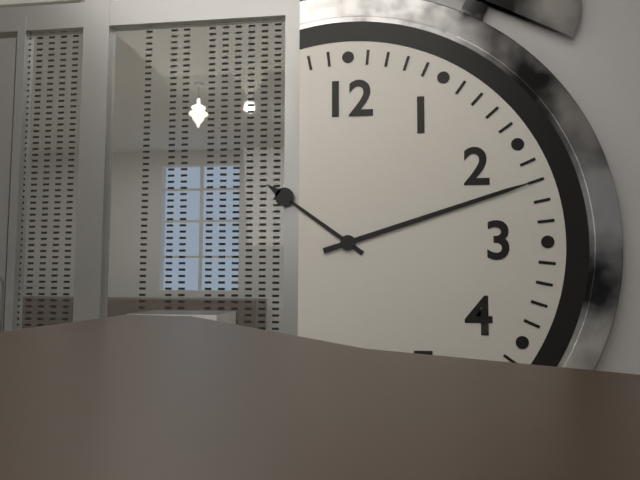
10:12
